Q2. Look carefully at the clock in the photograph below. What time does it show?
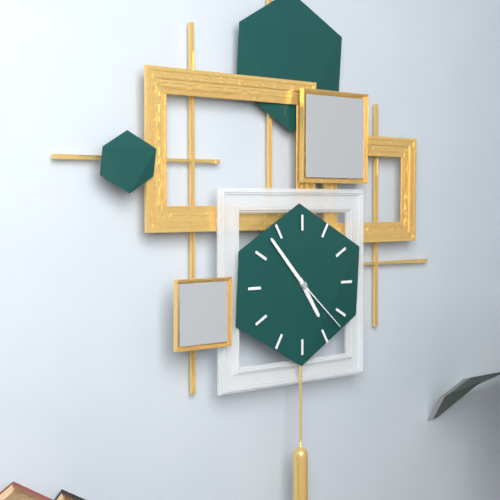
4:53:22
